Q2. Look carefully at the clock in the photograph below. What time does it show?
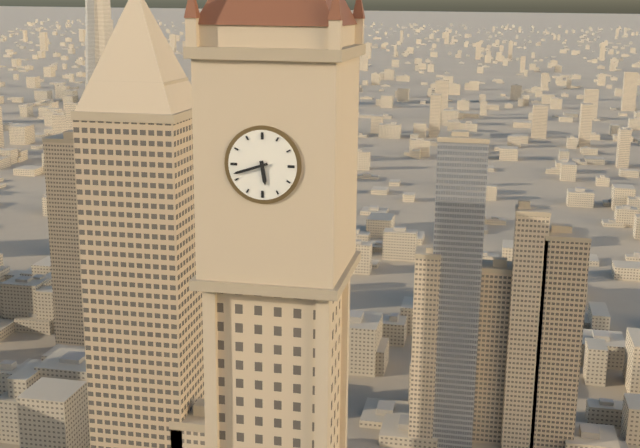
5:42
